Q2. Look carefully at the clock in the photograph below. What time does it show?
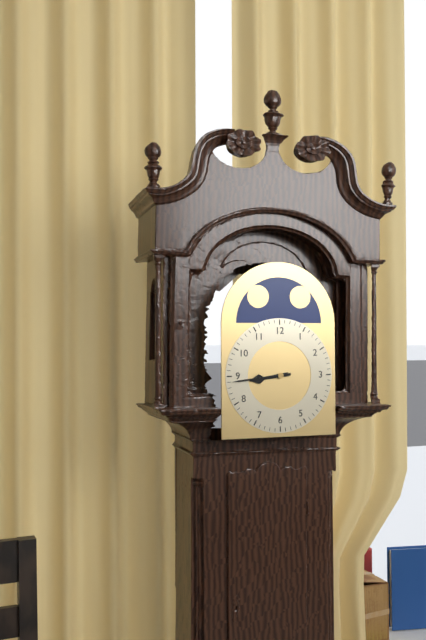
8:44
